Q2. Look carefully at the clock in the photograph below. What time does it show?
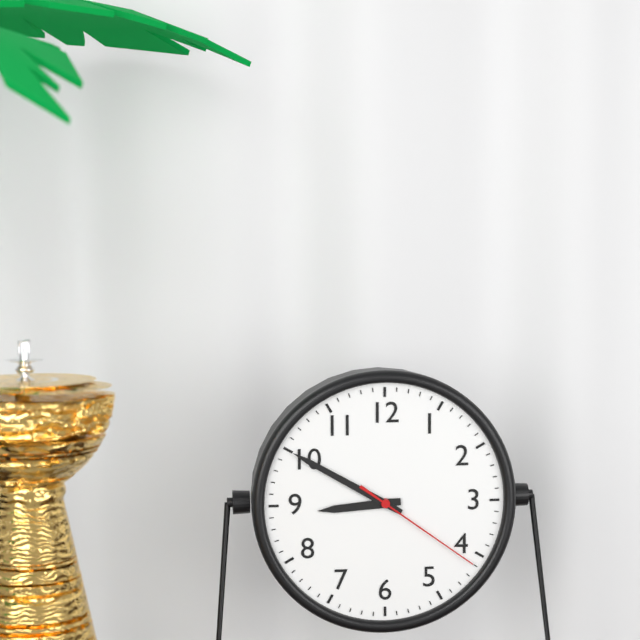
8:50:21
